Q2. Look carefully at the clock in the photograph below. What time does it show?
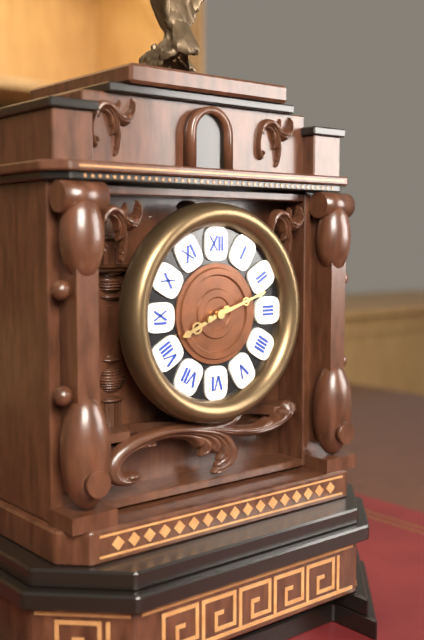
8:12
